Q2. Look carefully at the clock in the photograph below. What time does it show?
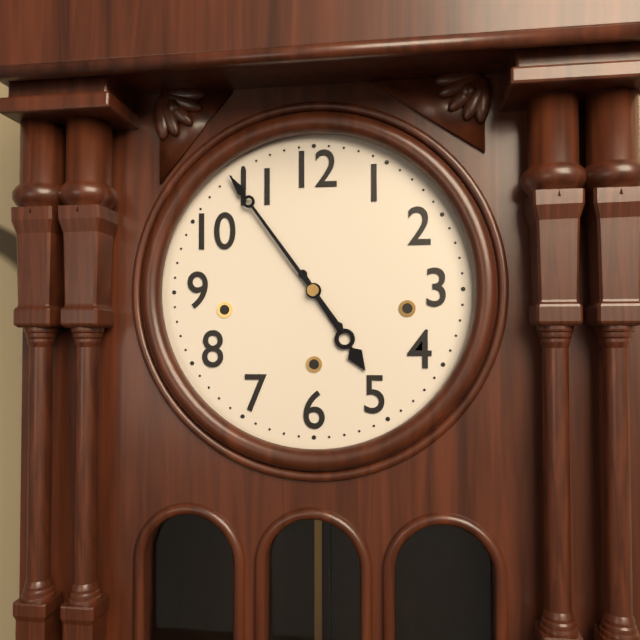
4:54
